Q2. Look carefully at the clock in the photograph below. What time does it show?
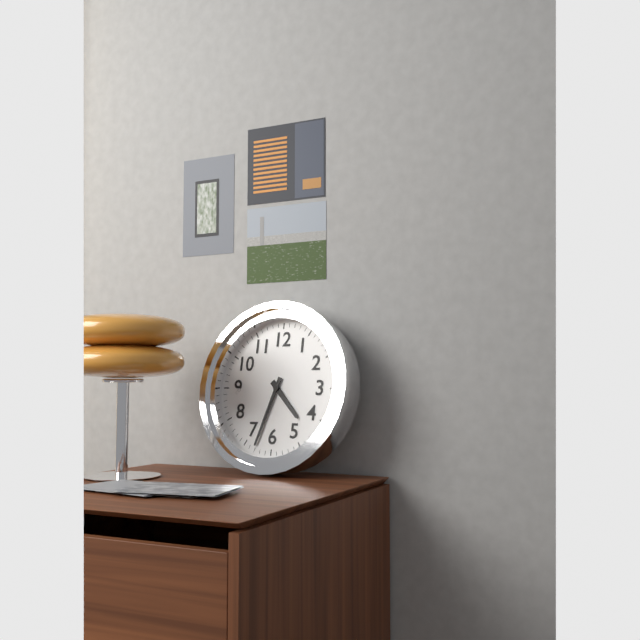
4:33
